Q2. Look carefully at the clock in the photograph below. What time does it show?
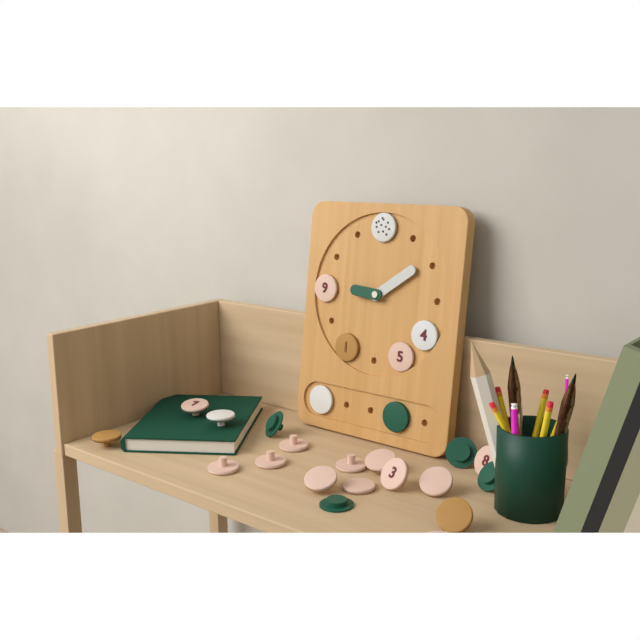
9:09
